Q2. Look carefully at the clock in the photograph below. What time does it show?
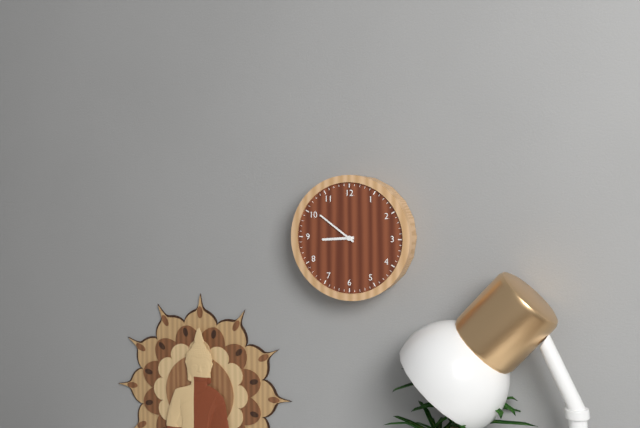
8:51
